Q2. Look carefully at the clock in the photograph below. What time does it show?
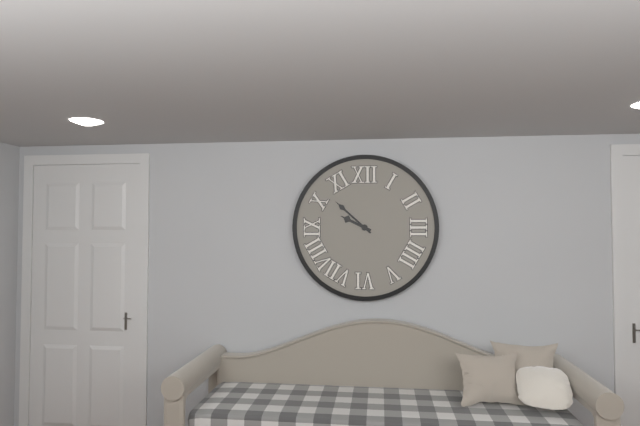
9:52
